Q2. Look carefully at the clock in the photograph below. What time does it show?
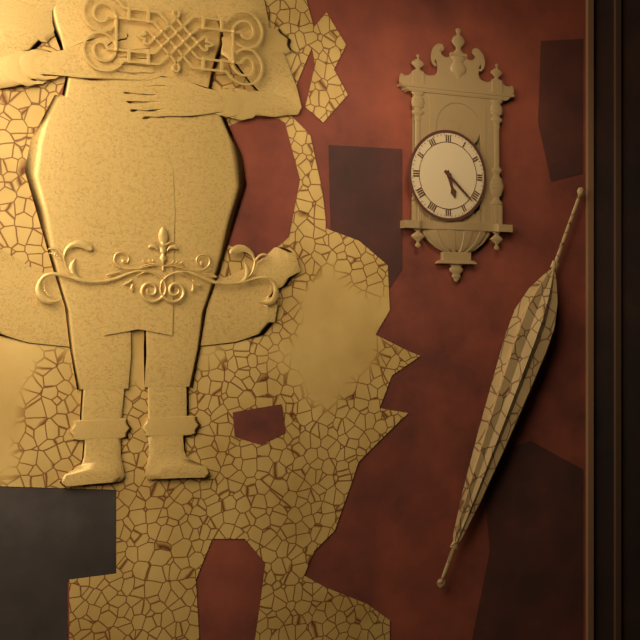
5:22
